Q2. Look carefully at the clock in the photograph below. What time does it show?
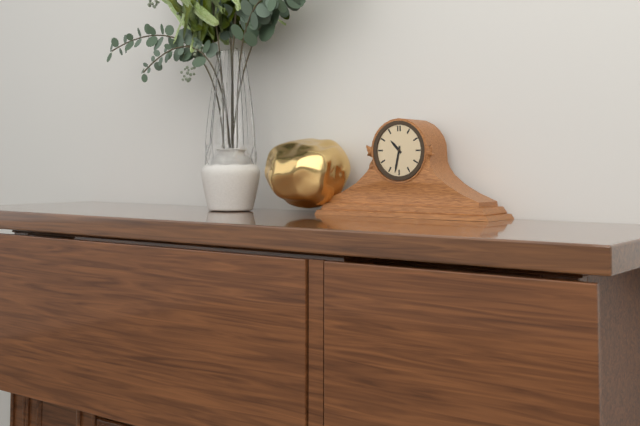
10:32
